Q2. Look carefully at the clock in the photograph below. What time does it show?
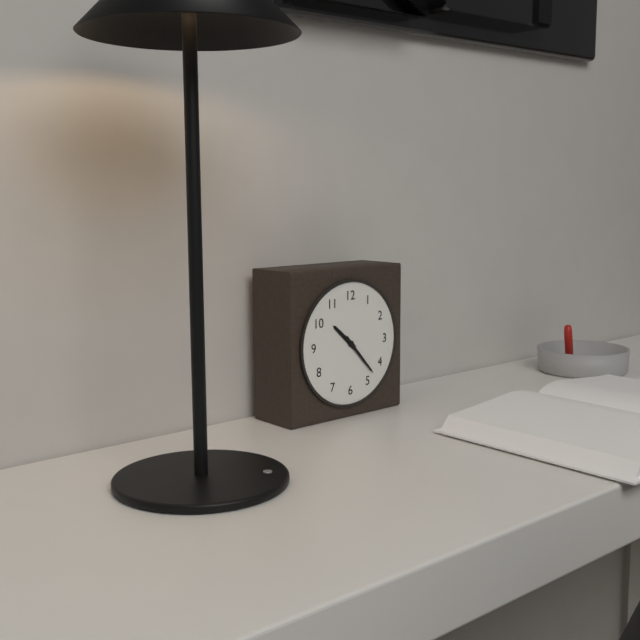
10:23
